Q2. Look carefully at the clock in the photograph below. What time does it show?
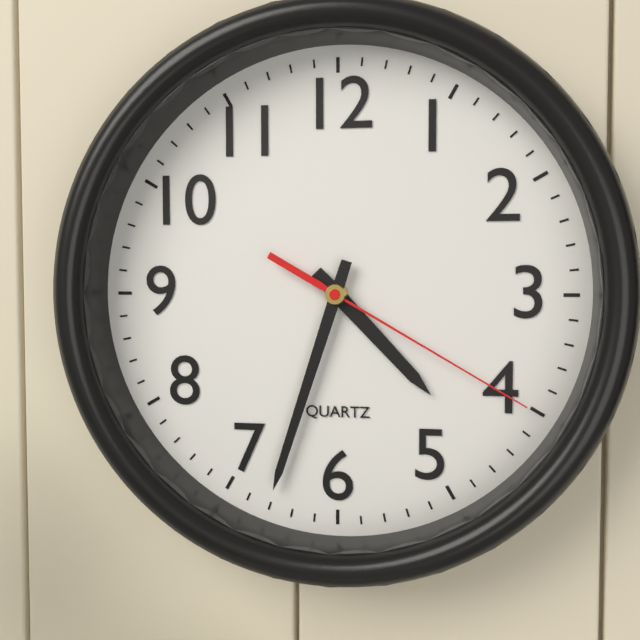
4:33:20
